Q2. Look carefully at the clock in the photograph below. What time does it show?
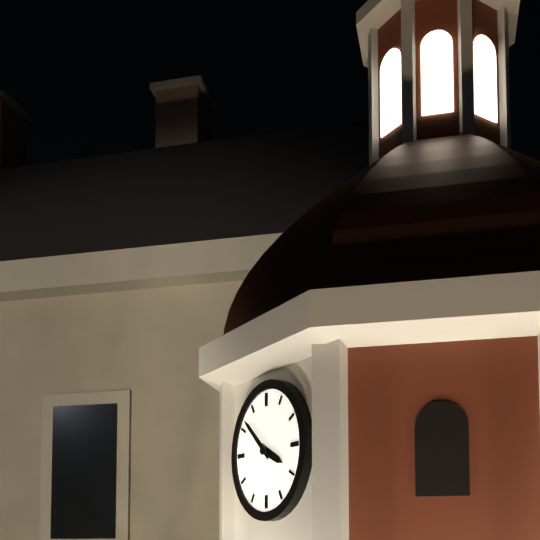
3:52
